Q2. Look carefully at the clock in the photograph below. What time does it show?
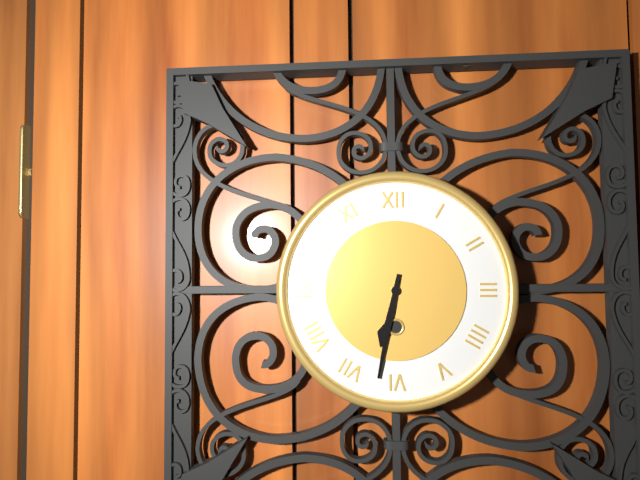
6:32
